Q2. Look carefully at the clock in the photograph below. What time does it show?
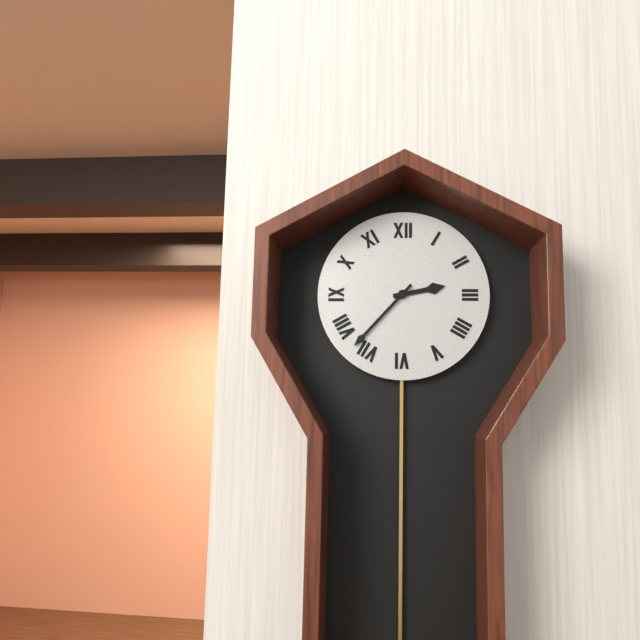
2:37
